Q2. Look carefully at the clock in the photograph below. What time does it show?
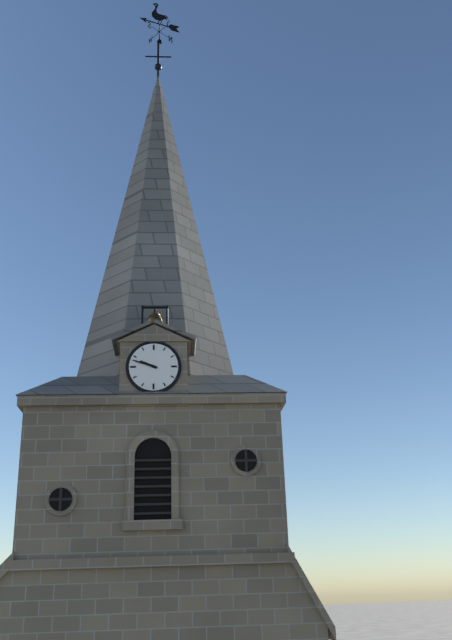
9:48
